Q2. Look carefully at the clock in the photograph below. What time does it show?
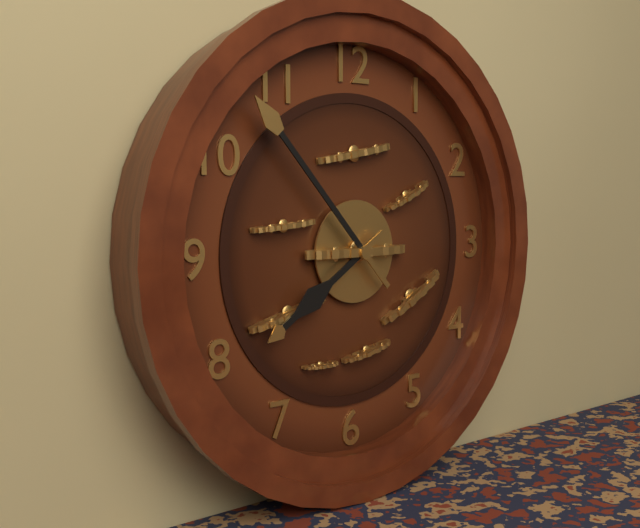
7:53
